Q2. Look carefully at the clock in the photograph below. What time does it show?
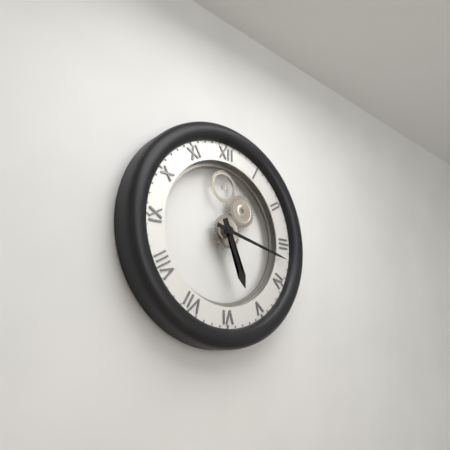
5:17
